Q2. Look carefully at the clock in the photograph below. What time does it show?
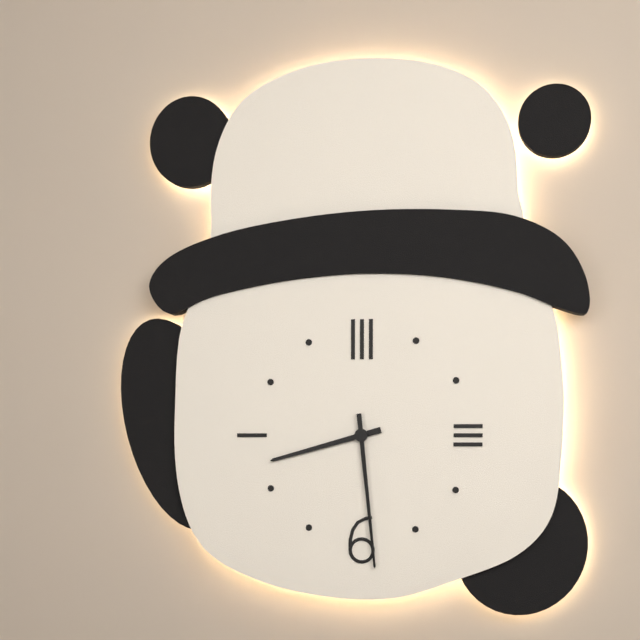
8:29
